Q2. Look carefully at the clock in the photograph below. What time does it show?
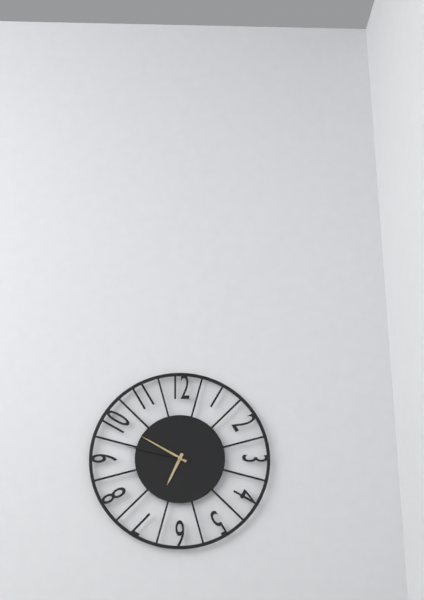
6:50:47
